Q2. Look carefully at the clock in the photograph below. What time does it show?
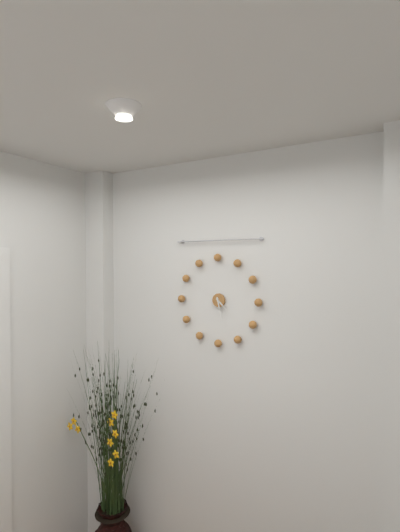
4:28
